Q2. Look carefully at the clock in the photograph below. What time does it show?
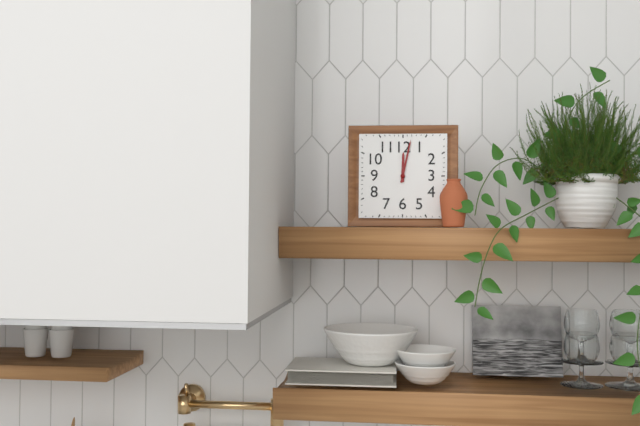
12:02
